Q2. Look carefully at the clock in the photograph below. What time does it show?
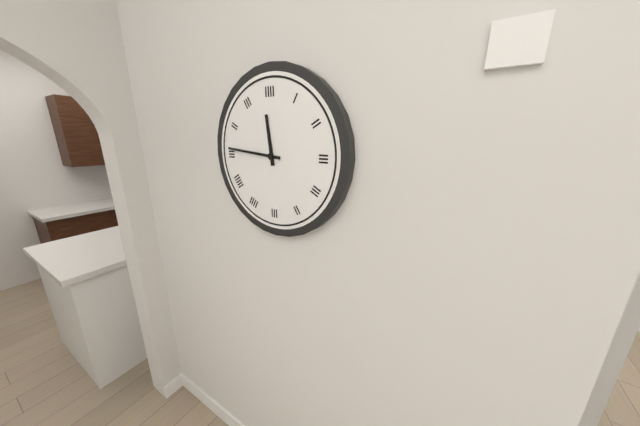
11:46
